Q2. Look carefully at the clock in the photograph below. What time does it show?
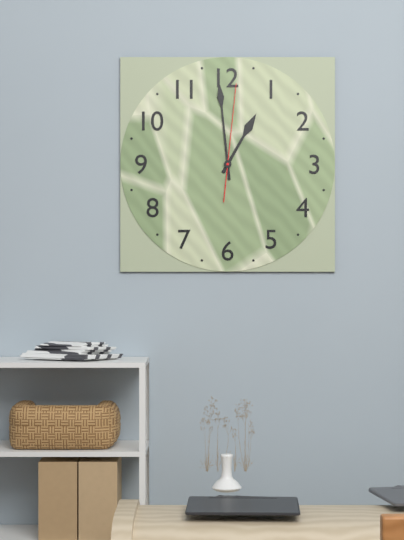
12:59:01
